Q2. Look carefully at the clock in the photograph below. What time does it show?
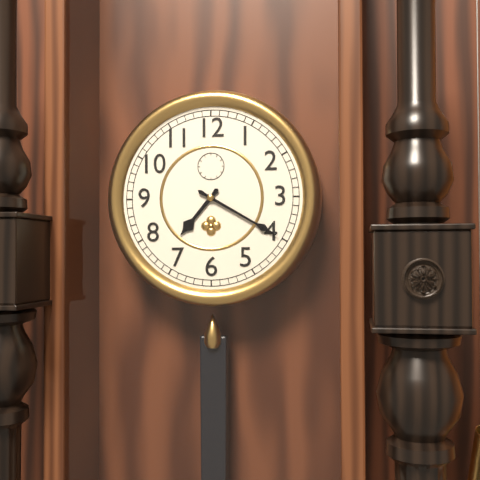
7:20
